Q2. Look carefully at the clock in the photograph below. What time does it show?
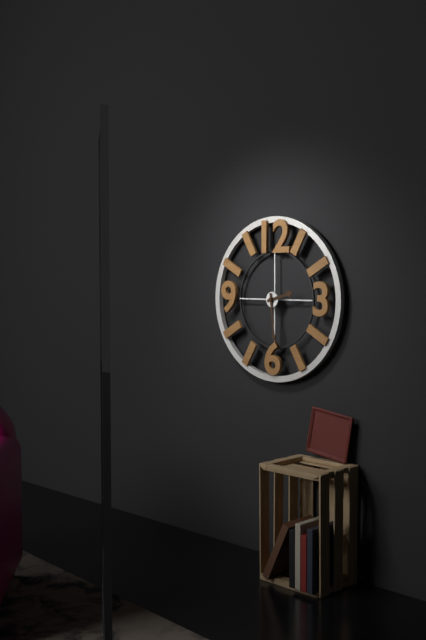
2:29
